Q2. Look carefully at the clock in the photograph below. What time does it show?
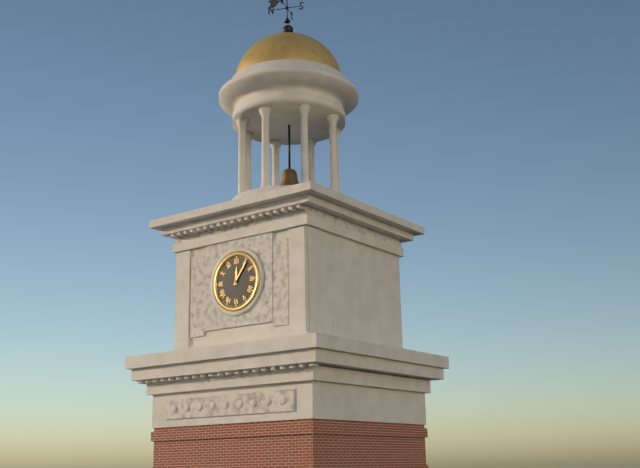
12:06
